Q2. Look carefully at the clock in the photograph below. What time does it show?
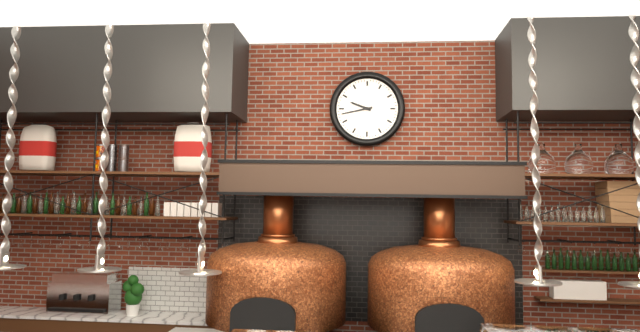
9:43
